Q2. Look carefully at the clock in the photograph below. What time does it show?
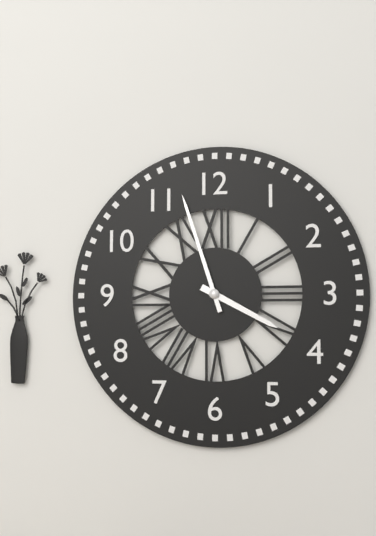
3:57
